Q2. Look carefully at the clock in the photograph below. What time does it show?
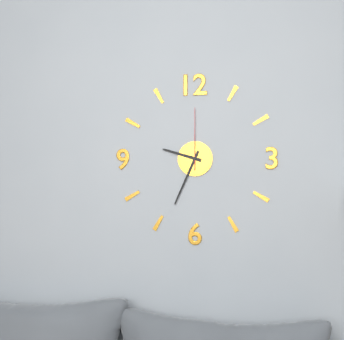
9:34:00
